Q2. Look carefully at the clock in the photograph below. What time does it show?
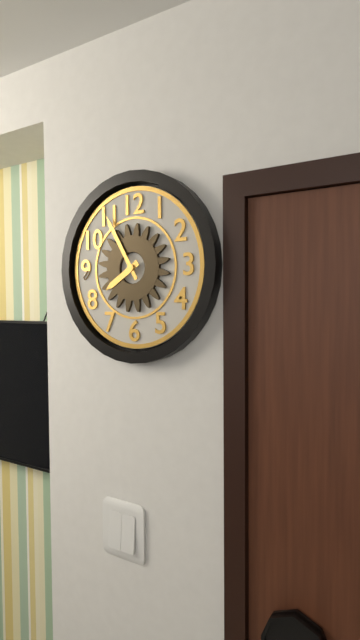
7:55
